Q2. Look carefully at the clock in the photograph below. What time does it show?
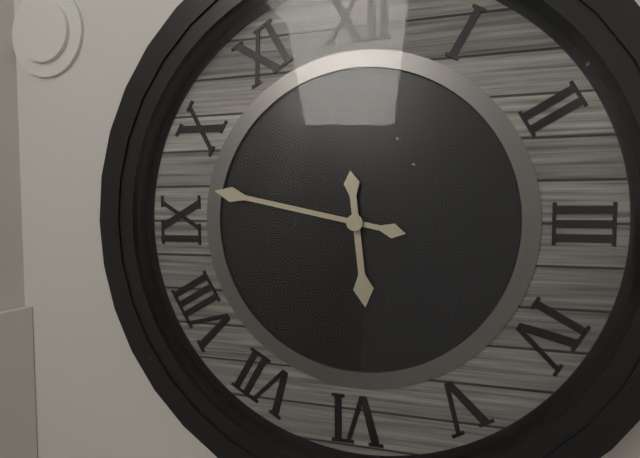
5:47
